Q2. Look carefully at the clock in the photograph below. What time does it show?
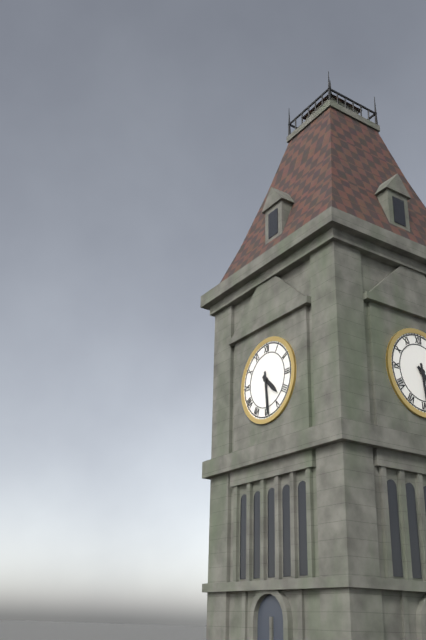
4:29
